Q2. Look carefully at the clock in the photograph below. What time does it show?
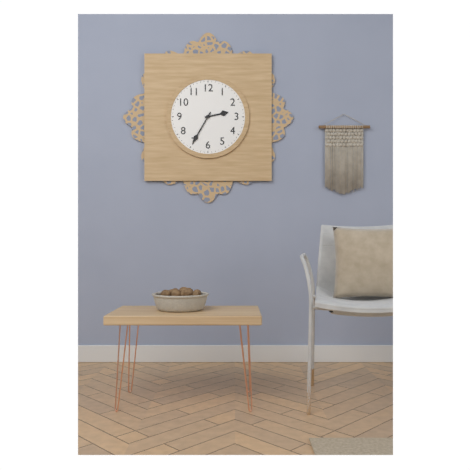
2:35
